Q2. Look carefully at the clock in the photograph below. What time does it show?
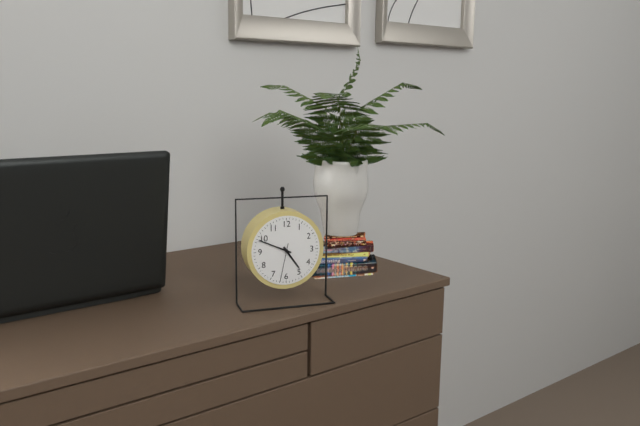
4:49
